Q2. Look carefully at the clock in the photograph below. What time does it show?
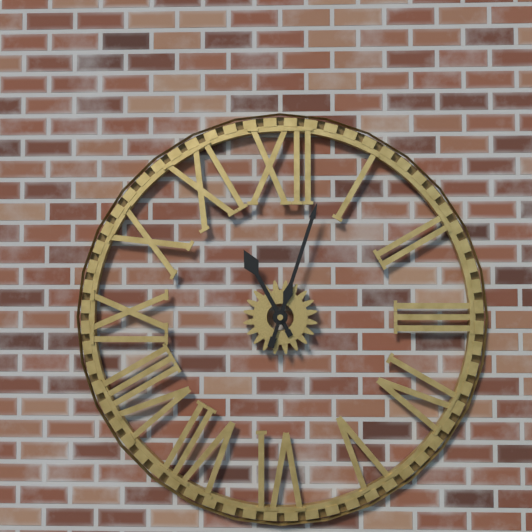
11:03
